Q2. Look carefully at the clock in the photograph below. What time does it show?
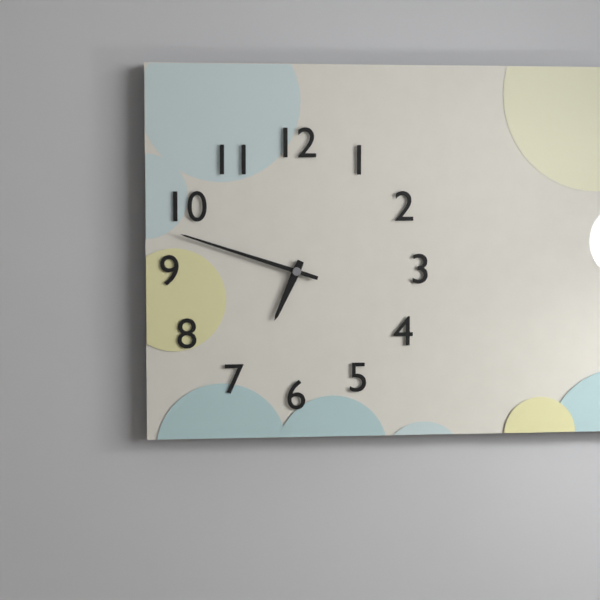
6:48
